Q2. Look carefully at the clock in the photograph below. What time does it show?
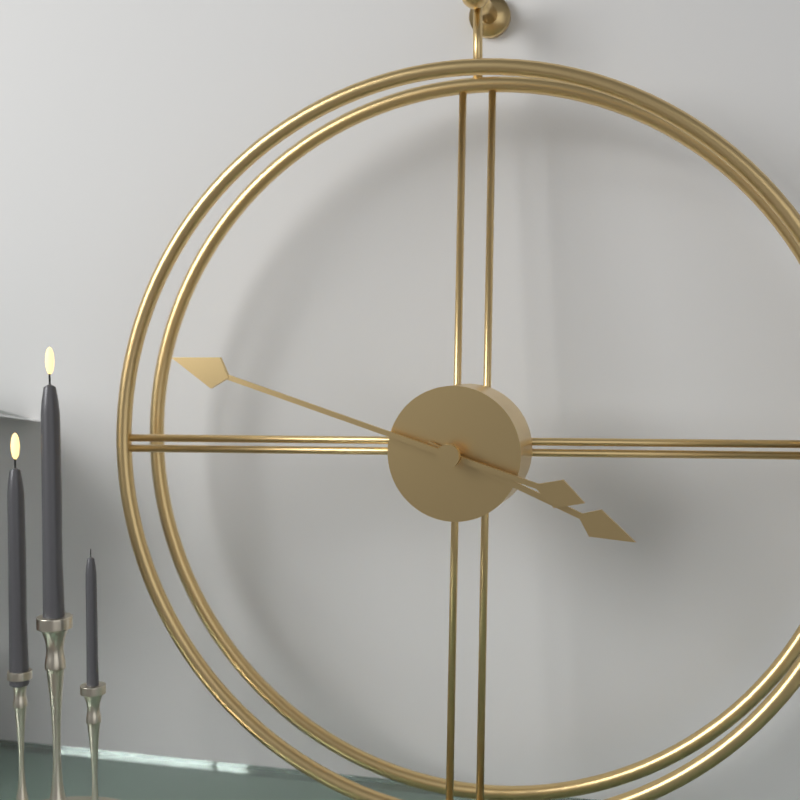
3:48
